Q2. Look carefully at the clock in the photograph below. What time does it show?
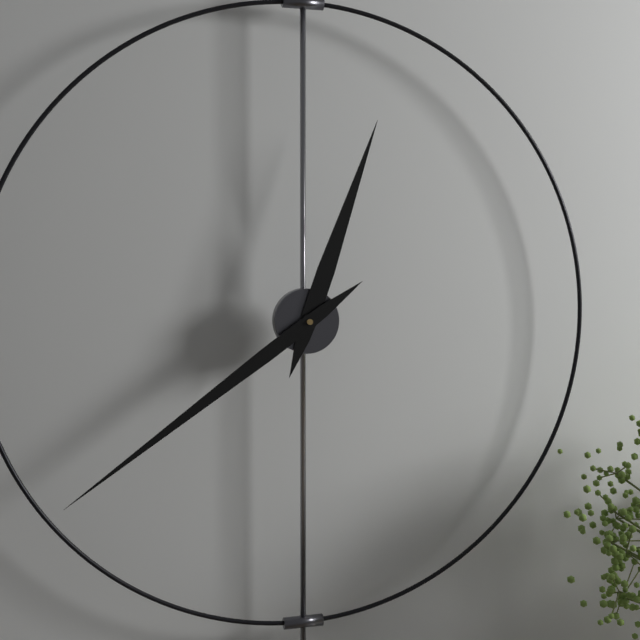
12:39
